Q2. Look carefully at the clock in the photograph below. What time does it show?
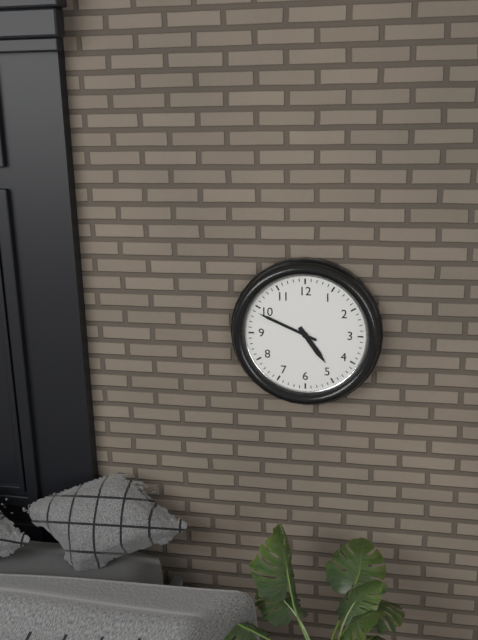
4:49
